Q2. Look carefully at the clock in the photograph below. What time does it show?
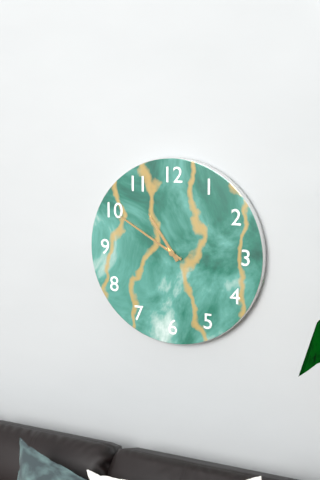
10:50
